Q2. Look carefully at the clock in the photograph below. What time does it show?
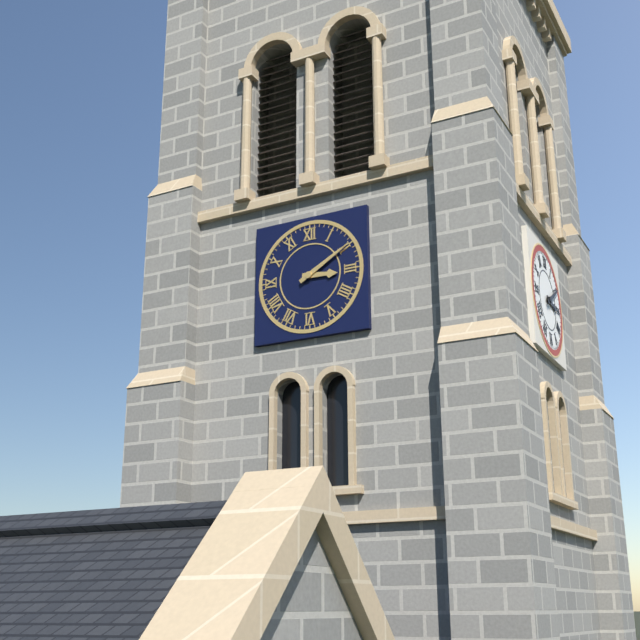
3:10
